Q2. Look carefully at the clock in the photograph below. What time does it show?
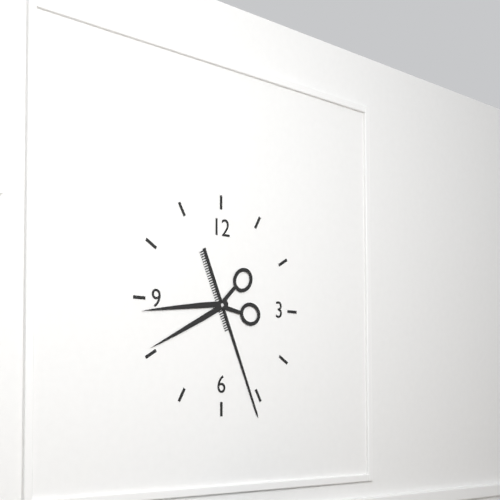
8:26
